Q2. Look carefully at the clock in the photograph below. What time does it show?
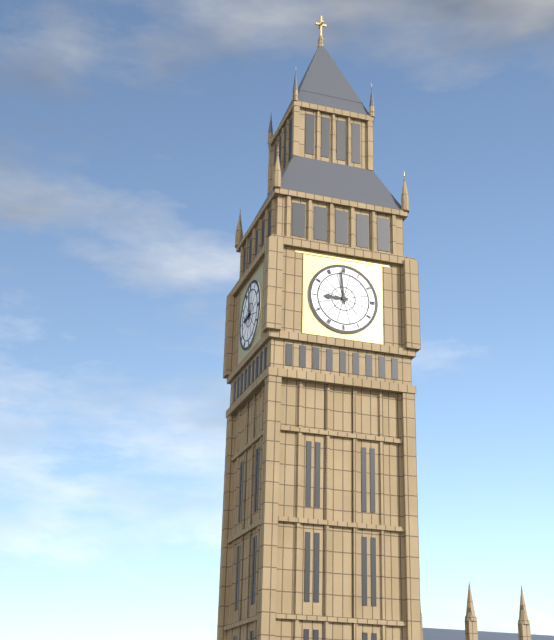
8:59
